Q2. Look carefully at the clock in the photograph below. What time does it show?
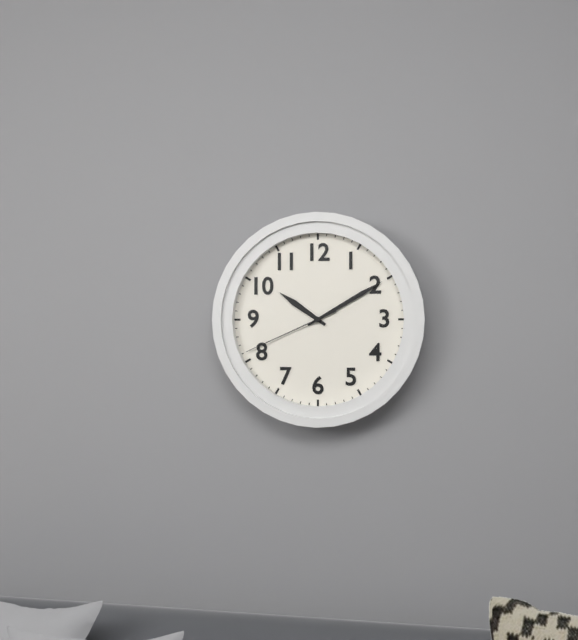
10:10:41
